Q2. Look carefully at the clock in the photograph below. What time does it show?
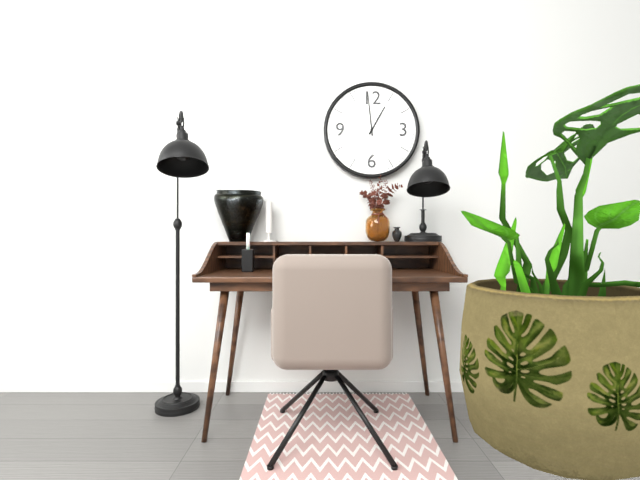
12:59
